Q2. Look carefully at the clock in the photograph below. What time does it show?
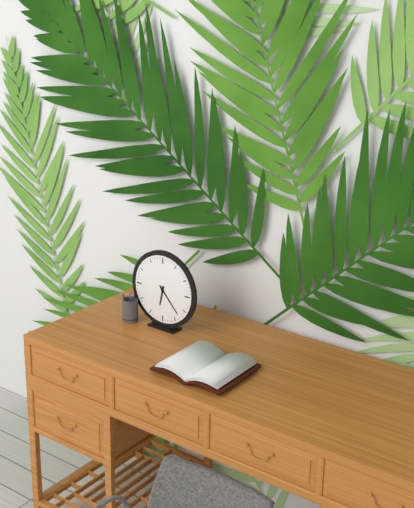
6:23
